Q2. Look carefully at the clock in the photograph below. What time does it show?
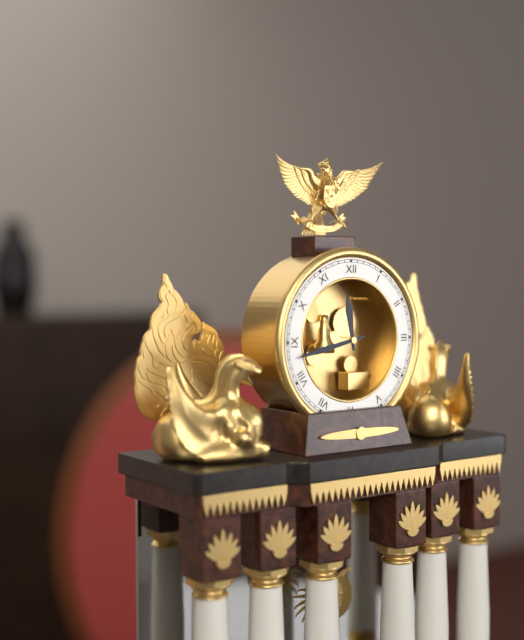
11:43
